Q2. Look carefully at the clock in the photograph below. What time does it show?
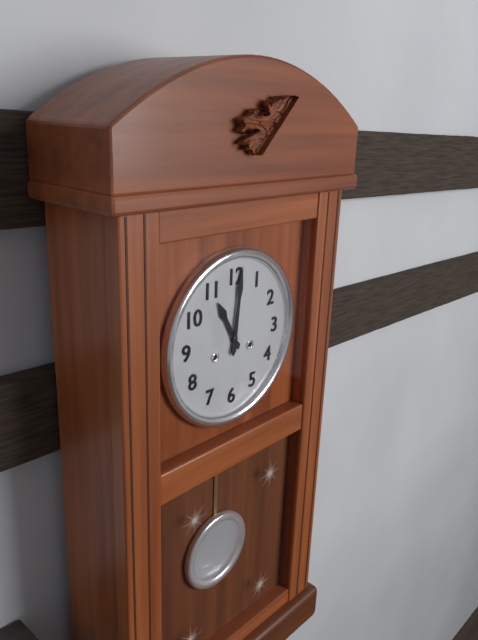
11:01
